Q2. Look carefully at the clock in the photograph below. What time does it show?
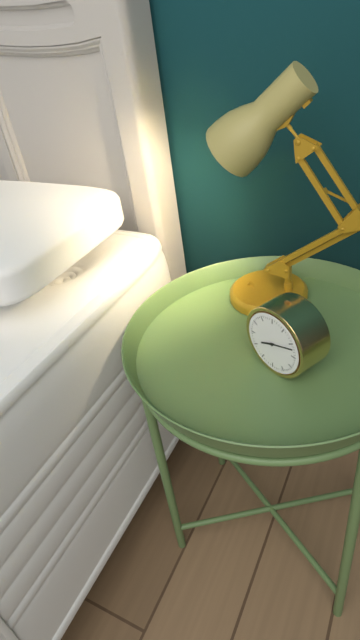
8:12
